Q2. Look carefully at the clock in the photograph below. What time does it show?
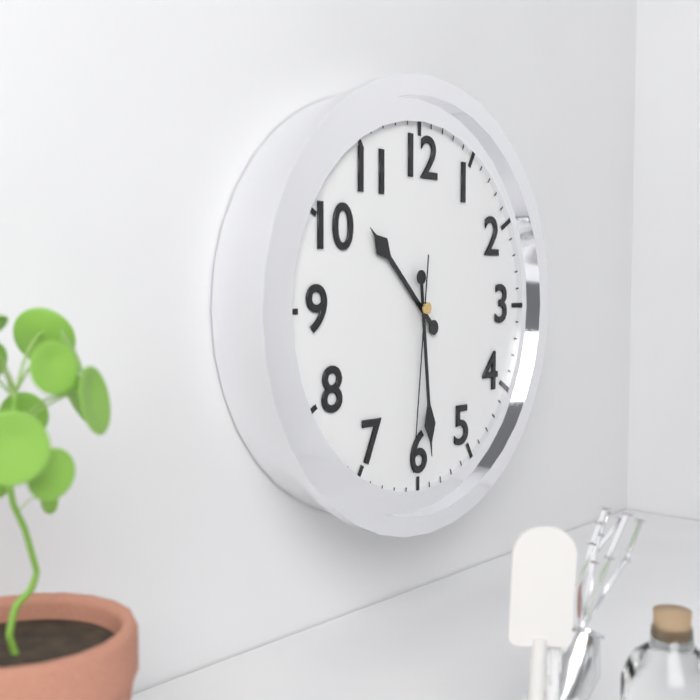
10:29:31
